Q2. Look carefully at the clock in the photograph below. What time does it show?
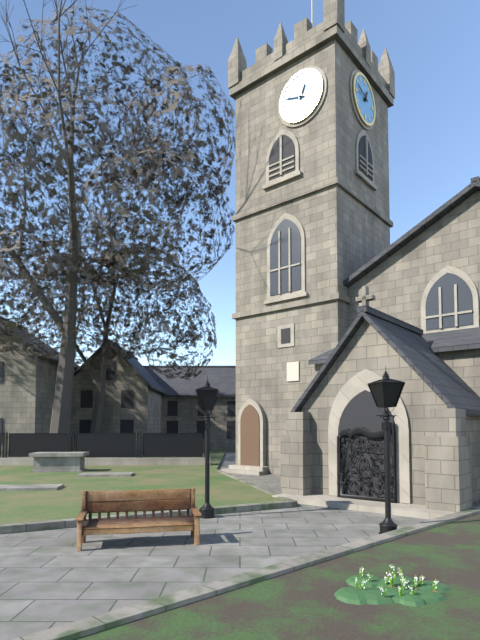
12:48
